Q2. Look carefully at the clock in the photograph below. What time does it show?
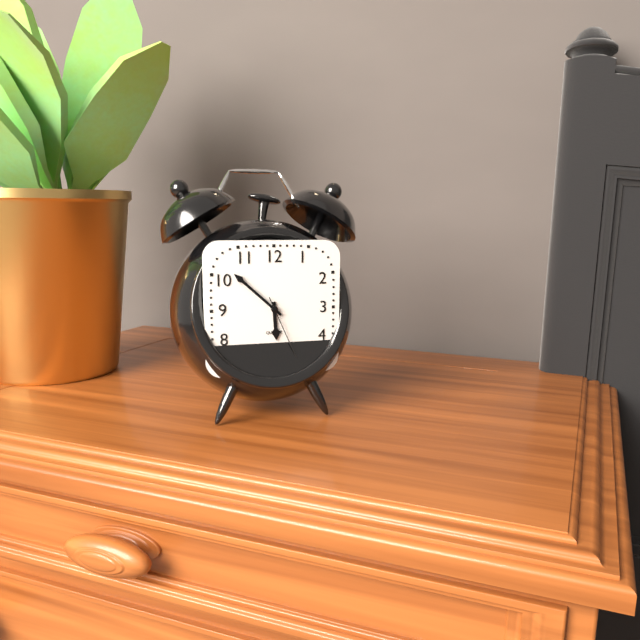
5:52:26
